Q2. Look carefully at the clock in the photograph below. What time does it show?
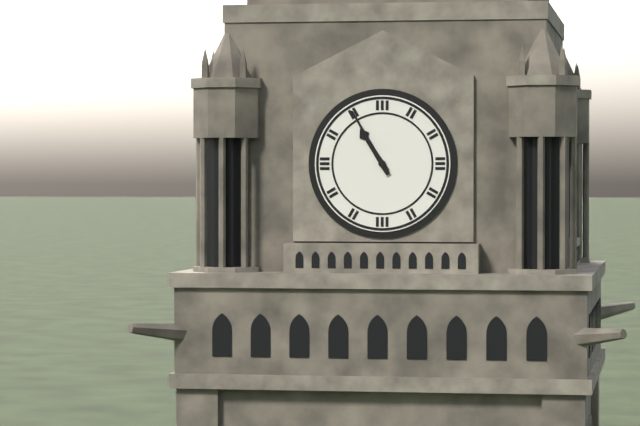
10:55
